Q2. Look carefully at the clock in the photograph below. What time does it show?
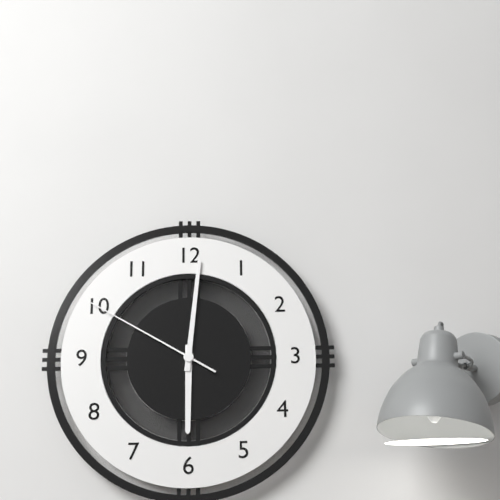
6:01:50
